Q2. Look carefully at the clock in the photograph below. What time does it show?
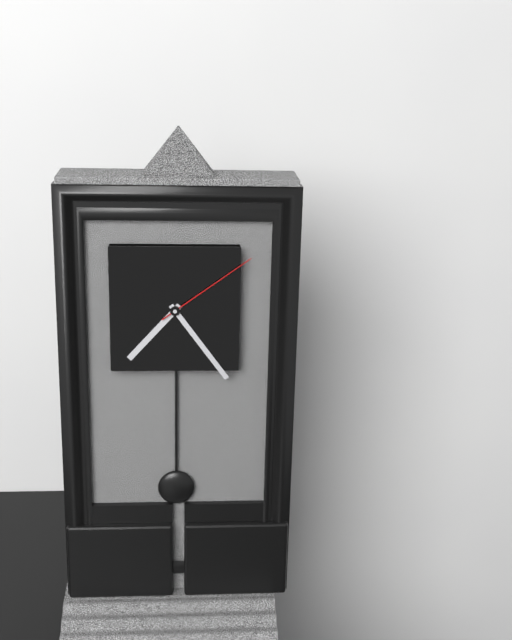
7:24:09
